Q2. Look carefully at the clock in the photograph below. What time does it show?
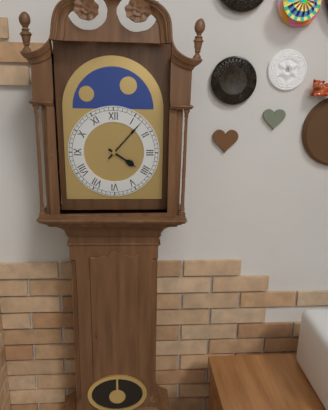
4:07
